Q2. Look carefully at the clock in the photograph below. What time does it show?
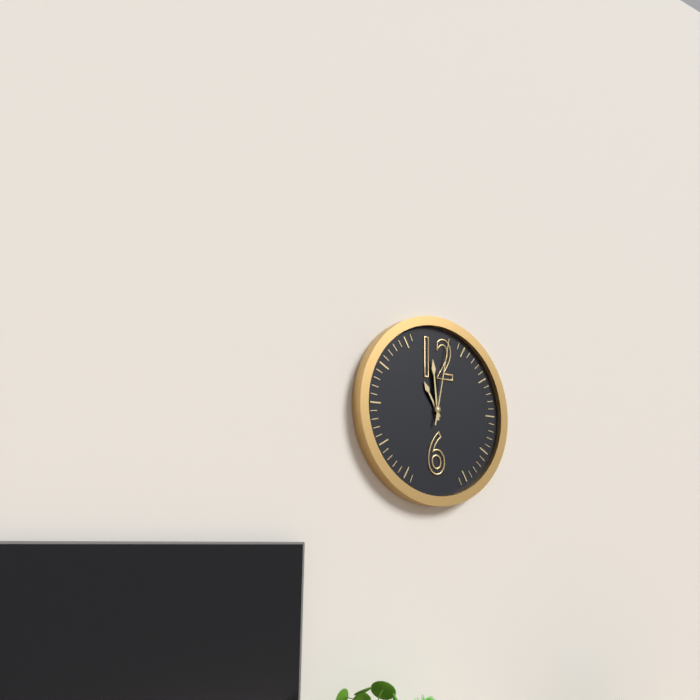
10:59:02
